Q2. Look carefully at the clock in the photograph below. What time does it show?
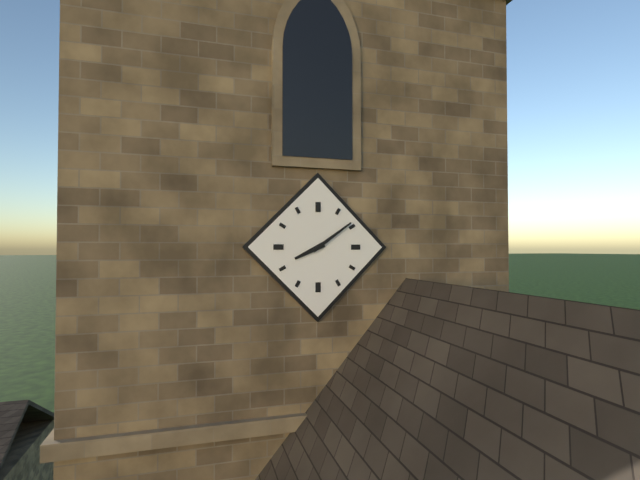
8:09
